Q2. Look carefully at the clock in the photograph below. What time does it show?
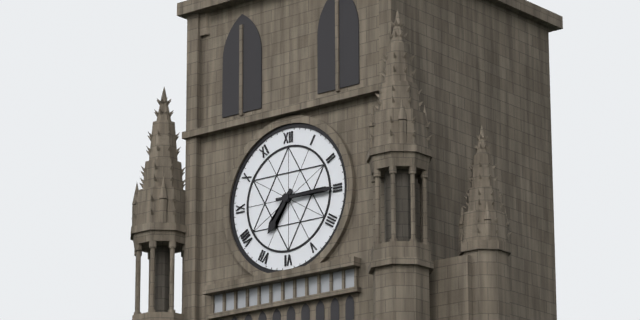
7:15
